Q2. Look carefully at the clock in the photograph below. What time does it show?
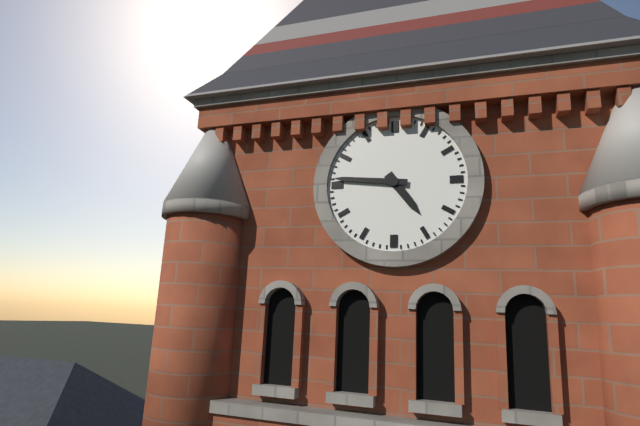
4:46
